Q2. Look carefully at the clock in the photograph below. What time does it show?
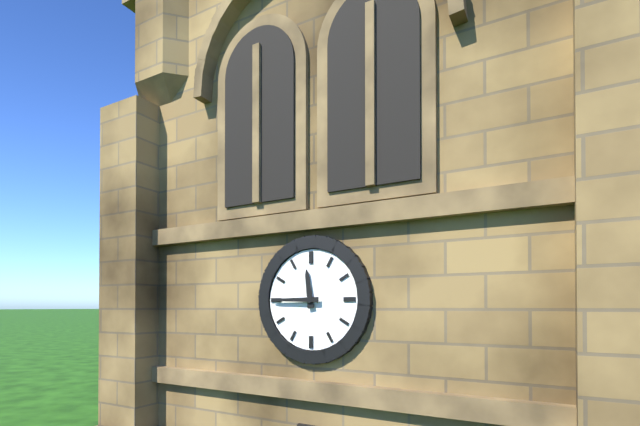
11:45
